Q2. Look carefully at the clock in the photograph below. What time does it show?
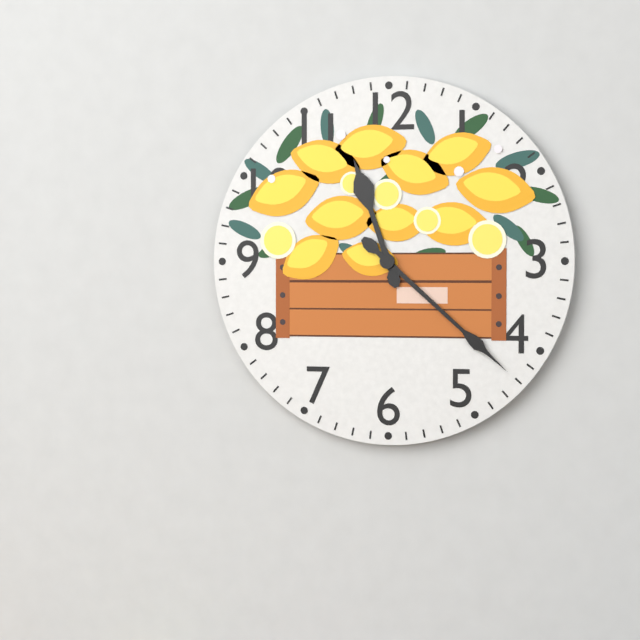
11:22
